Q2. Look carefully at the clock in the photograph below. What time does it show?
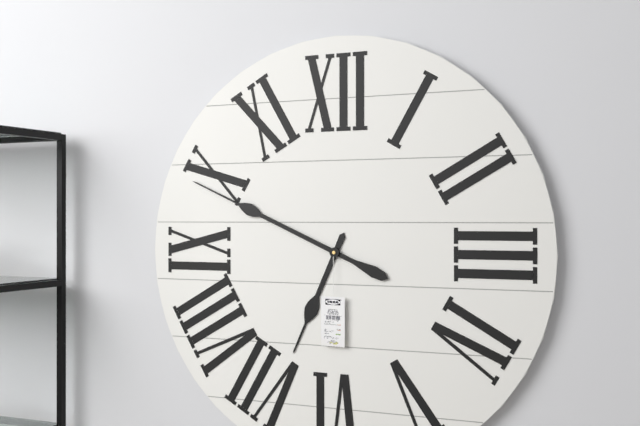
6:49
